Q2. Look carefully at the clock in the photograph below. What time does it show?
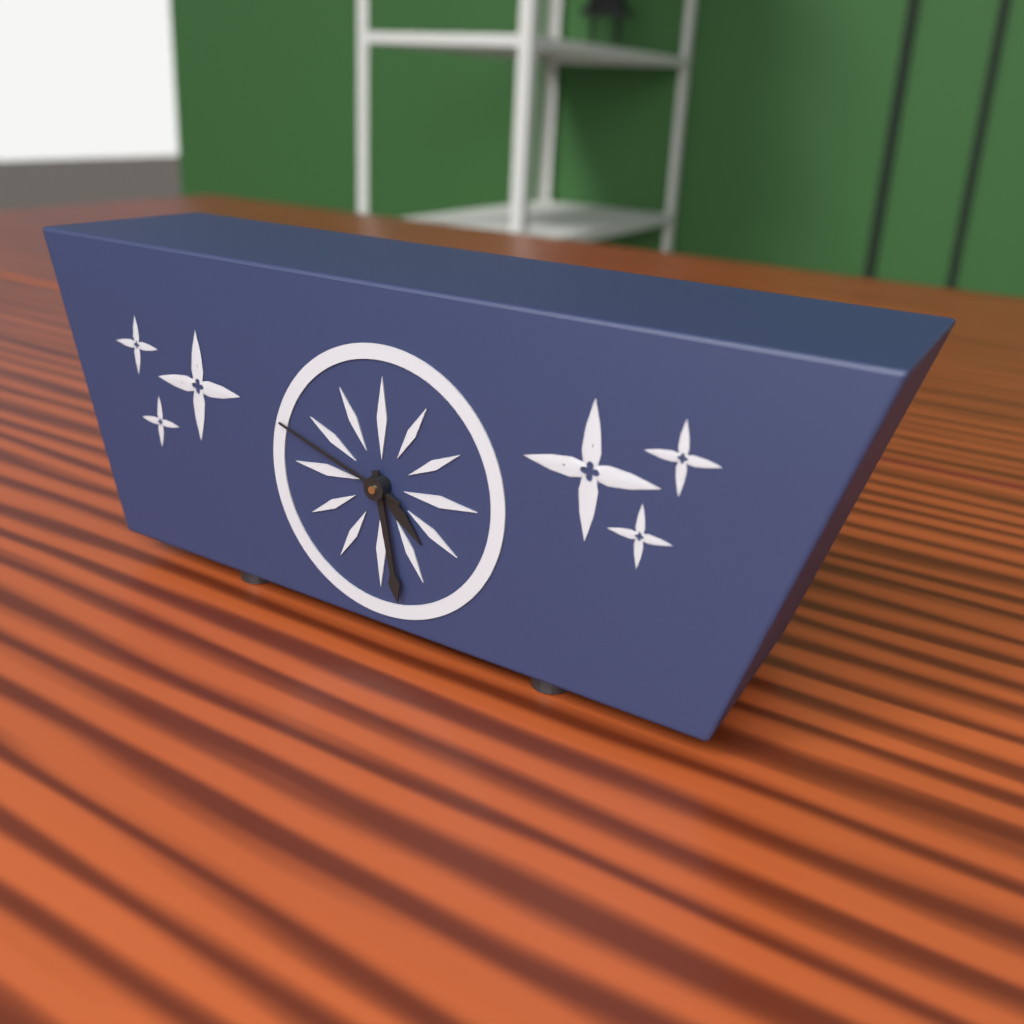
4:28:48
